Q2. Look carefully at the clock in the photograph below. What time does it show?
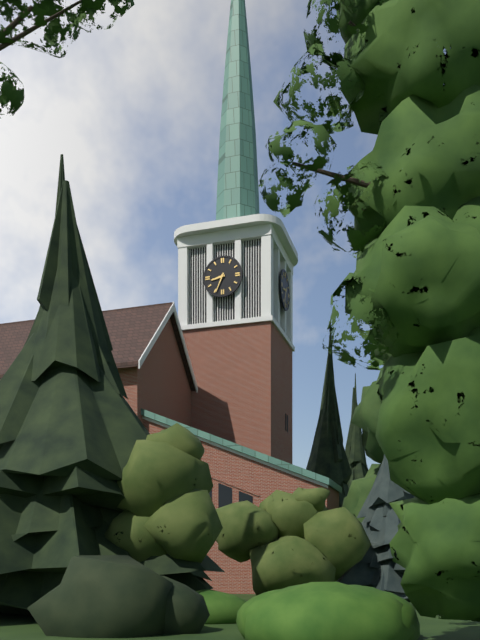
8:34
